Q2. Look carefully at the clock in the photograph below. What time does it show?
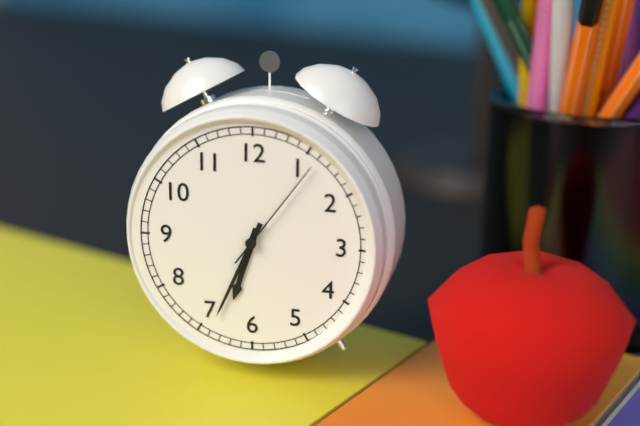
6:34:06
